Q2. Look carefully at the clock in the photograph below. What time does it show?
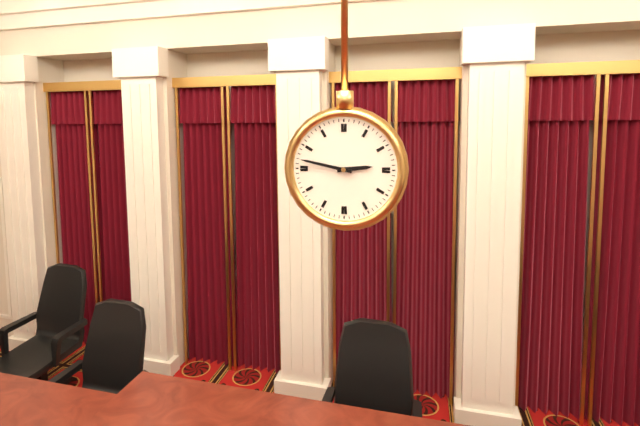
2:47
